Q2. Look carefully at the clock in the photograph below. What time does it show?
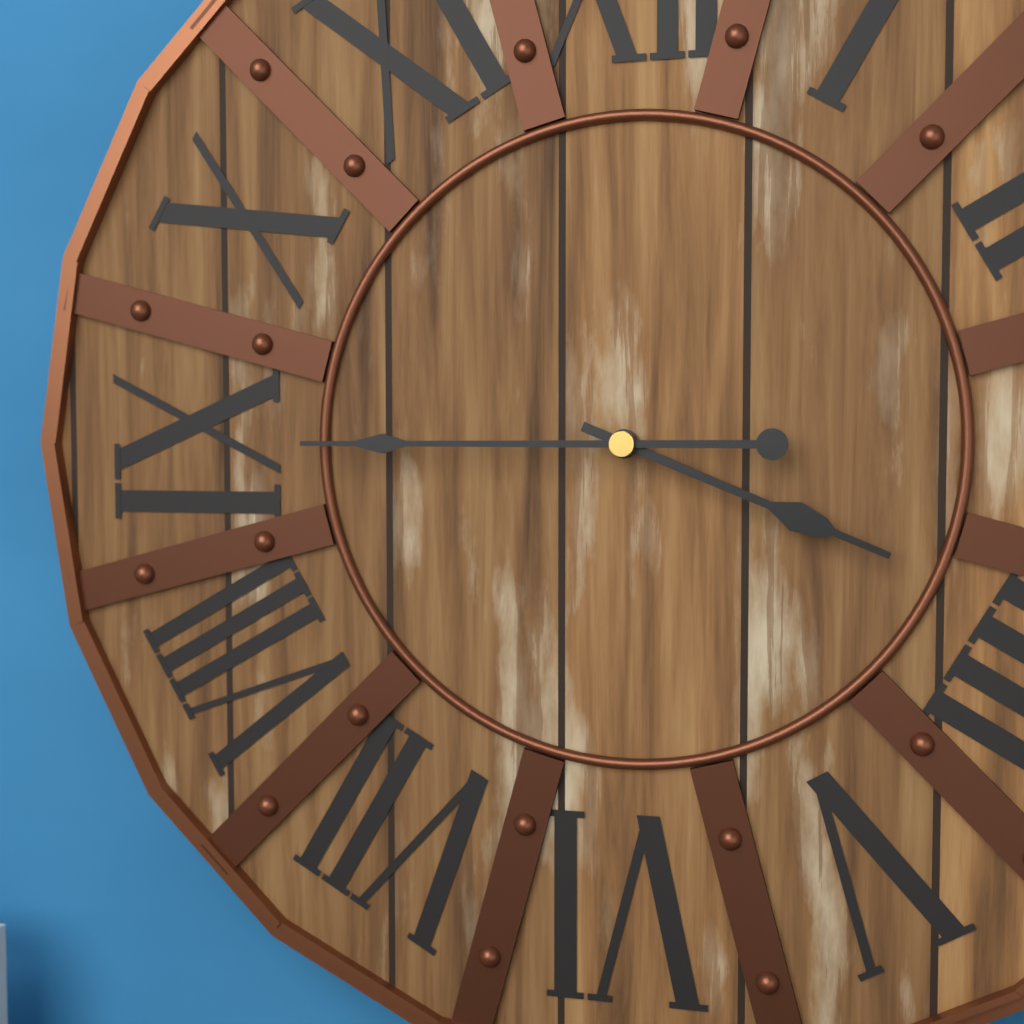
3:45
